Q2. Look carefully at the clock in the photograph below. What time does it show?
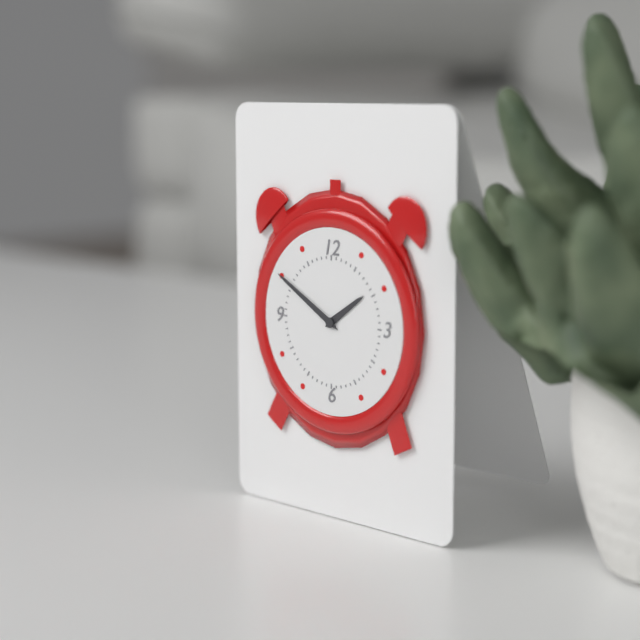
1:50
